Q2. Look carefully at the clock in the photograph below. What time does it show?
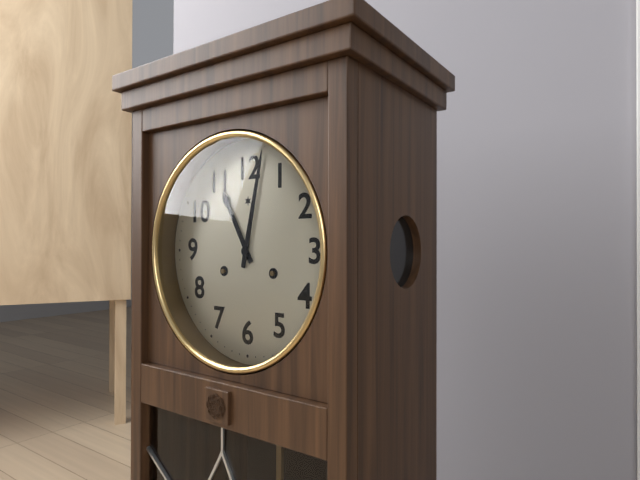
11:02
